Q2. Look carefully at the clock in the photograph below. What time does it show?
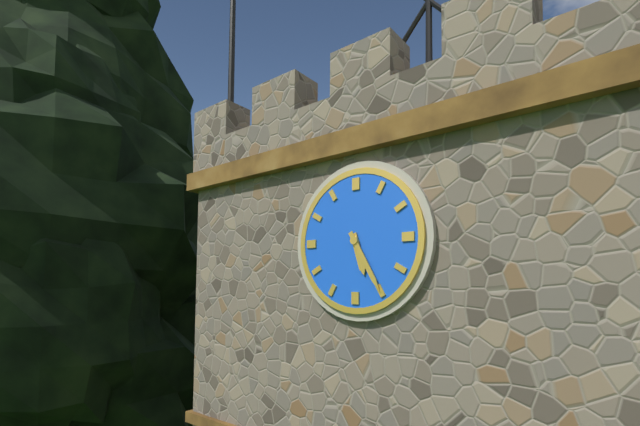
5:25
